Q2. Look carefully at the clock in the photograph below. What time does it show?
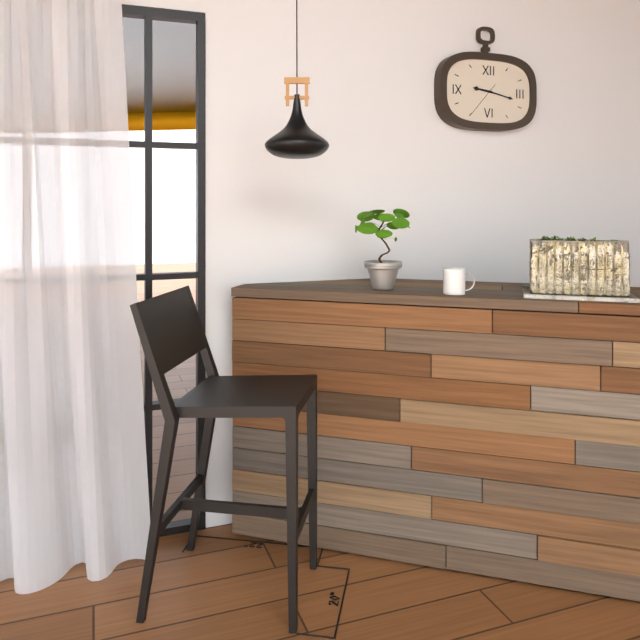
9:17
